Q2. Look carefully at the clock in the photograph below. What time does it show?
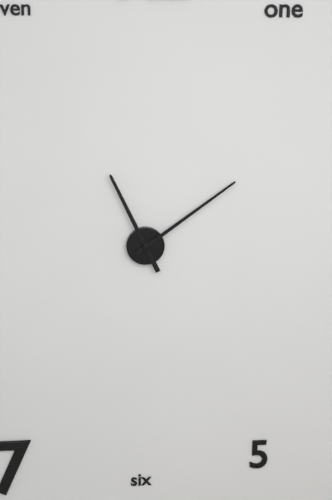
11:09
